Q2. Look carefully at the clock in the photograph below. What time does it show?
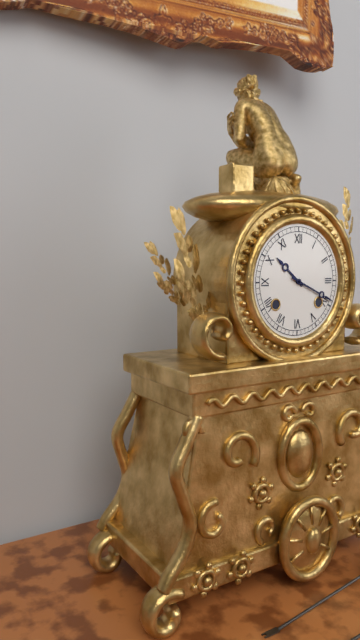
10:19
